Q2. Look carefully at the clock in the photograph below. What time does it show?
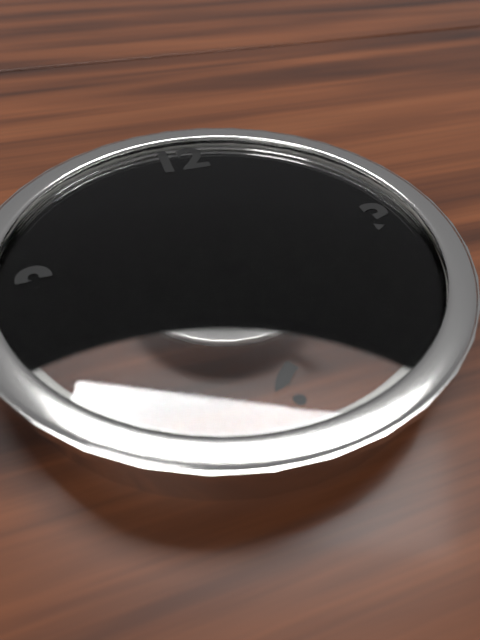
5:04
